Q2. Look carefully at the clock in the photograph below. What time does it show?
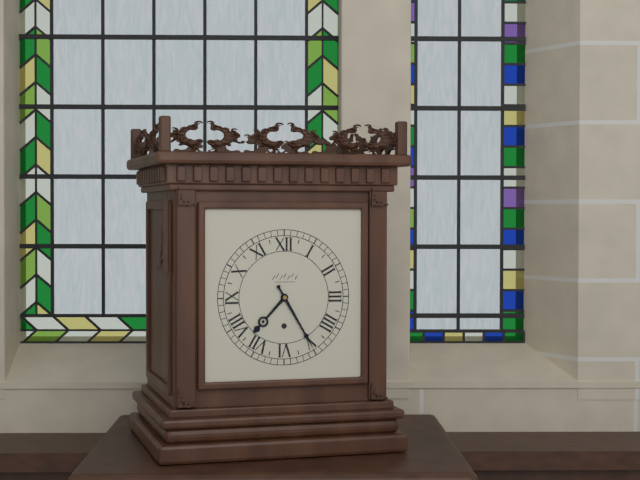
7:25
